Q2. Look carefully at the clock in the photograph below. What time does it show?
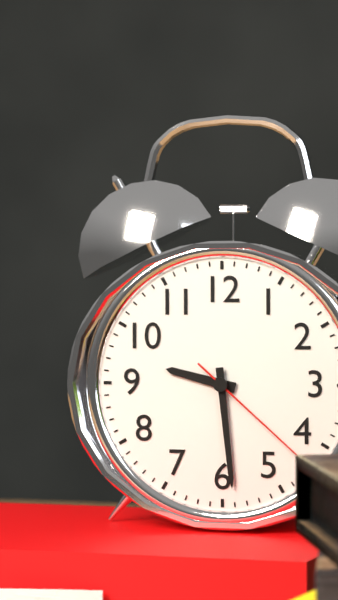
9:29:22
